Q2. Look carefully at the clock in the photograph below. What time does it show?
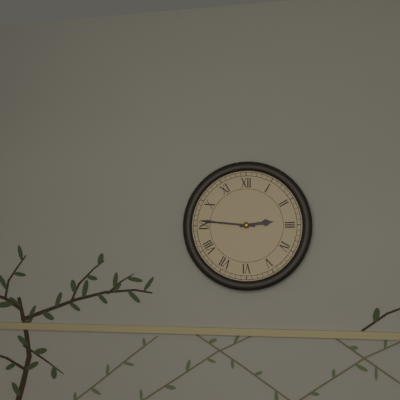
2:46
